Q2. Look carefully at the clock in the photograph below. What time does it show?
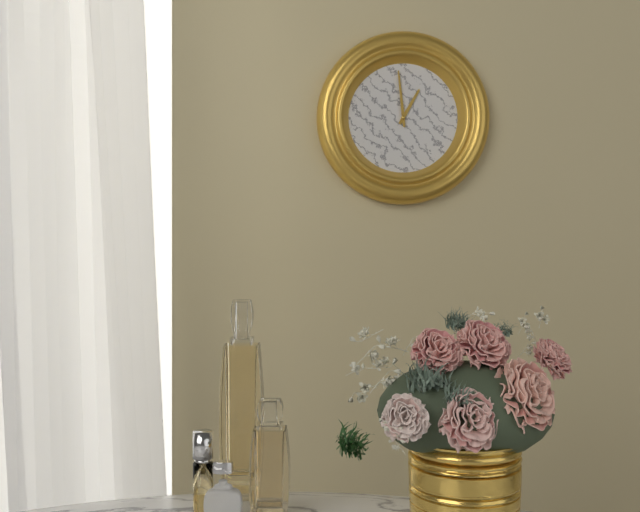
12:59
